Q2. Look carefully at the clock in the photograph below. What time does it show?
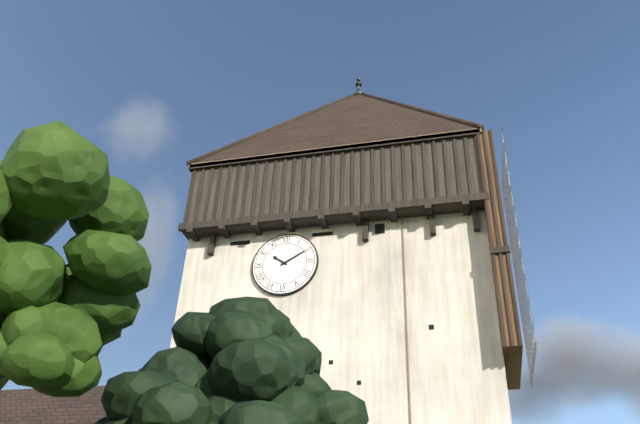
10:10
